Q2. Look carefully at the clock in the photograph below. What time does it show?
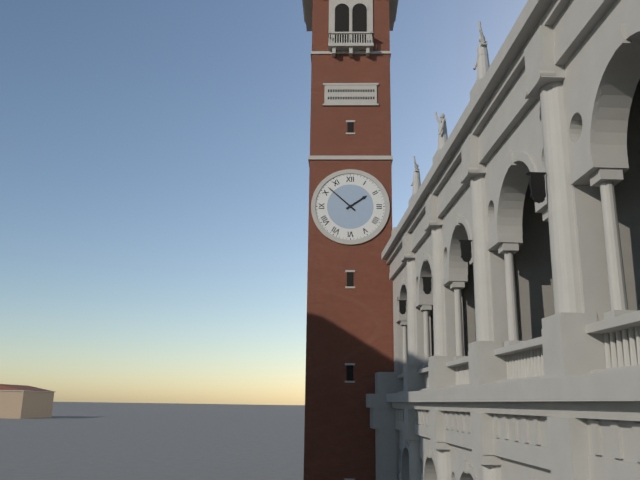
1:52
